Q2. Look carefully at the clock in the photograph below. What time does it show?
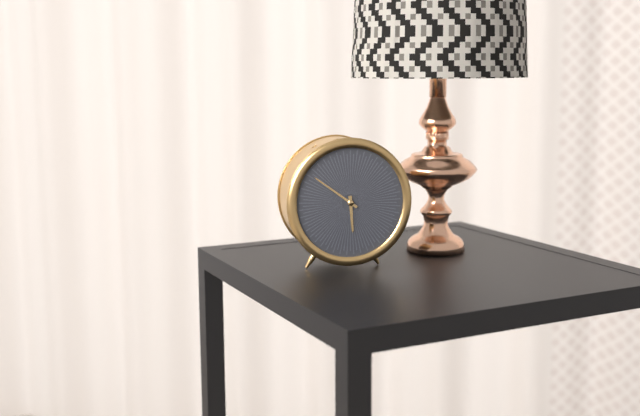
5:51
